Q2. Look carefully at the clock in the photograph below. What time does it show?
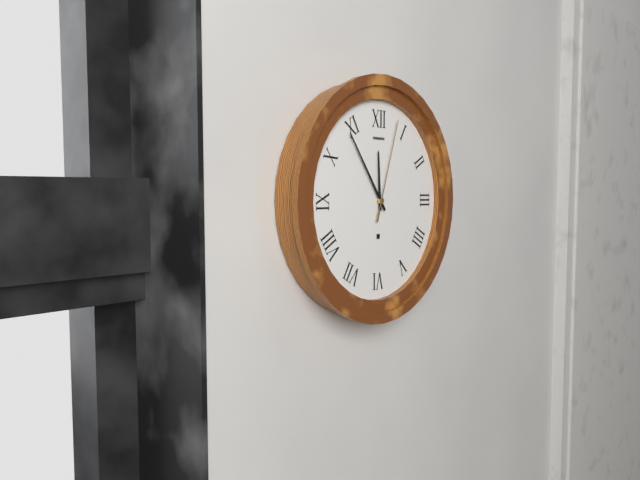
11:54:03
